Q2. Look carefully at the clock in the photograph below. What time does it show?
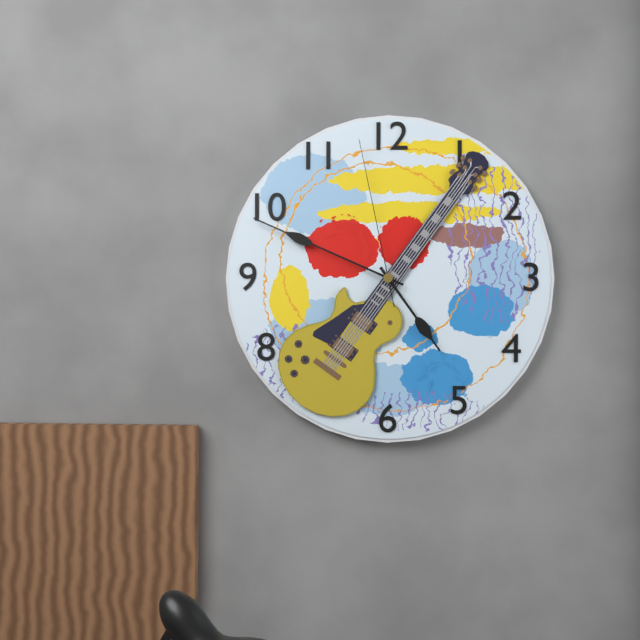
4:49:58
